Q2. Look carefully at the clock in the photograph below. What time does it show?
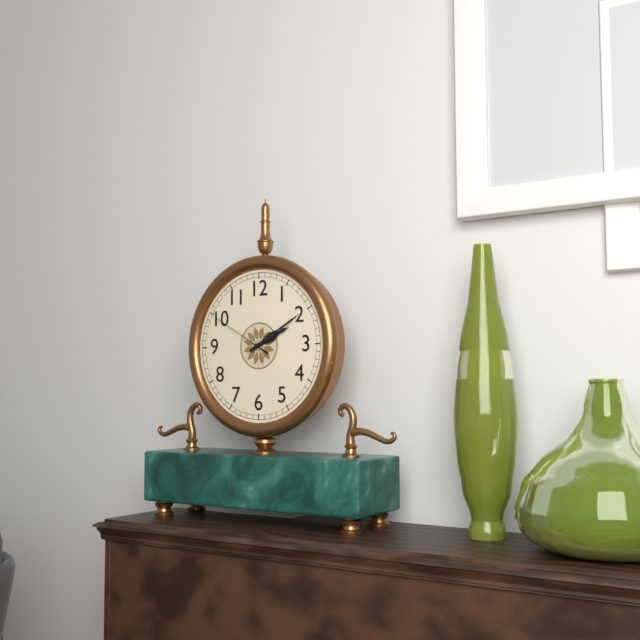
2:10:50
